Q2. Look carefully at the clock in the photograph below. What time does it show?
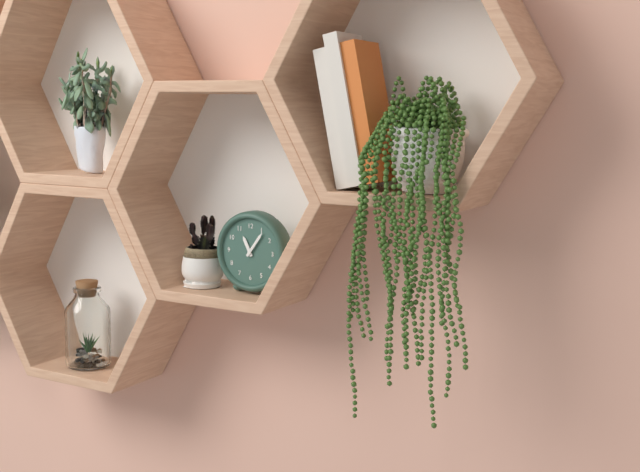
11:06
